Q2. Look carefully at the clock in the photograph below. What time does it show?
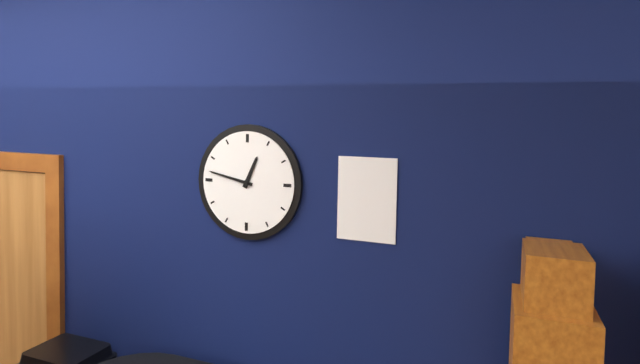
12:47
